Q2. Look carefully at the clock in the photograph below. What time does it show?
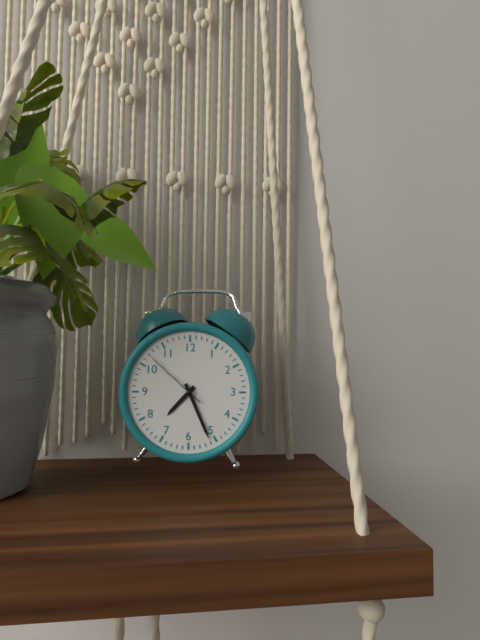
7:26:52
